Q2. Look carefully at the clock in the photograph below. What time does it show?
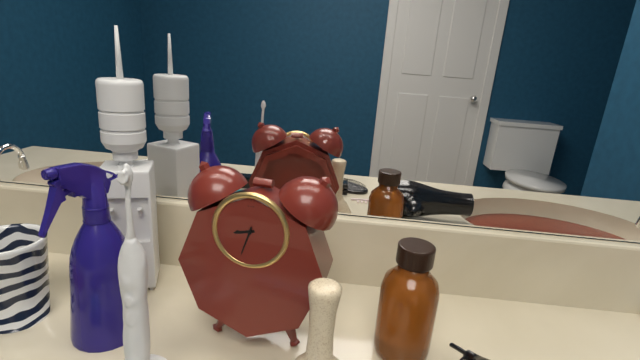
8:33
